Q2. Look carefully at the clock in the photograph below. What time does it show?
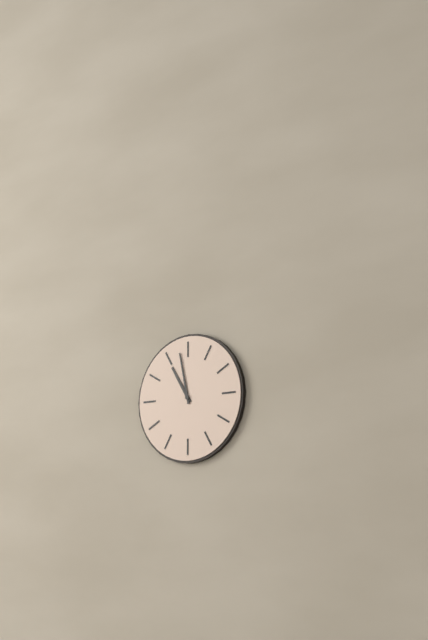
10:58
